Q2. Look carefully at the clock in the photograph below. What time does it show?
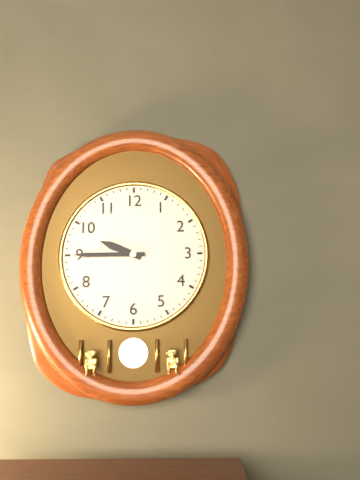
9:45
